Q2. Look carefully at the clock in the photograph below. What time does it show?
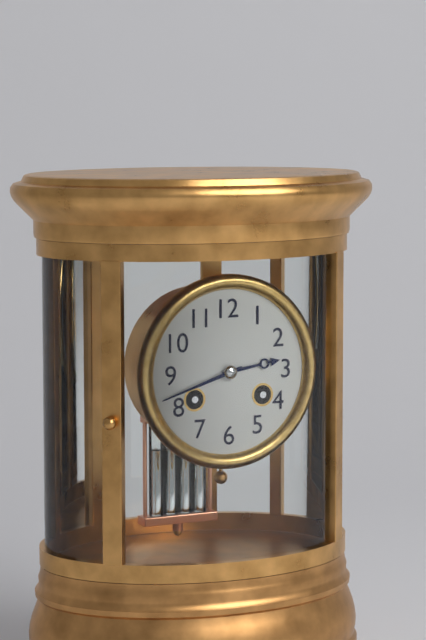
2:42
